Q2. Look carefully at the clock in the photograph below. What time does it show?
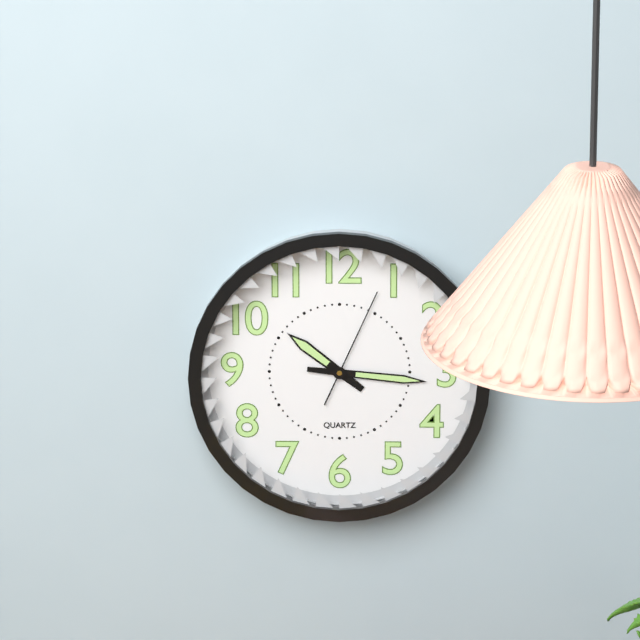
10:16:04
